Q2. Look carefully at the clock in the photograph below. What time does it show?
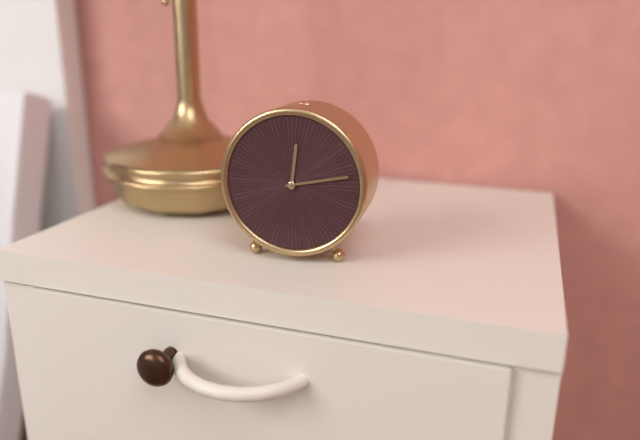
12:13
